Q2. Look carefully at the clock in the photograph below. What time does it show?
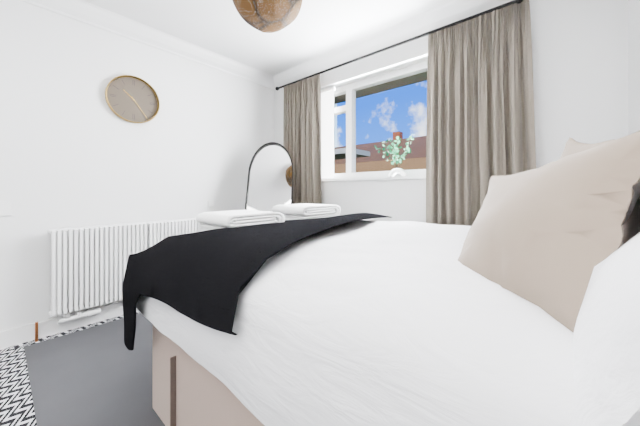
10:24
